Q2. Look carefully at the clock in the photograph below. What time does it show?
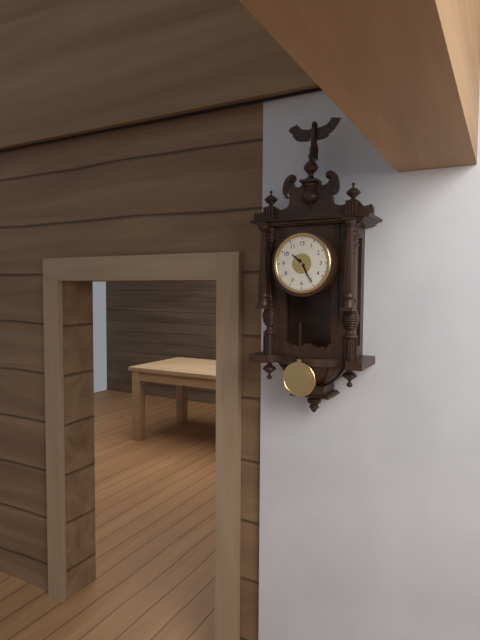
10:25
